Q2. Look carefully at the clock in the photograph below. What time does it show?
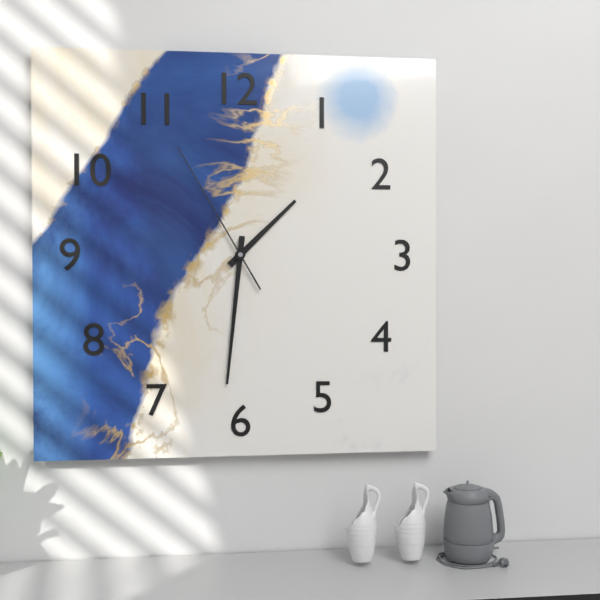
1:31:55
